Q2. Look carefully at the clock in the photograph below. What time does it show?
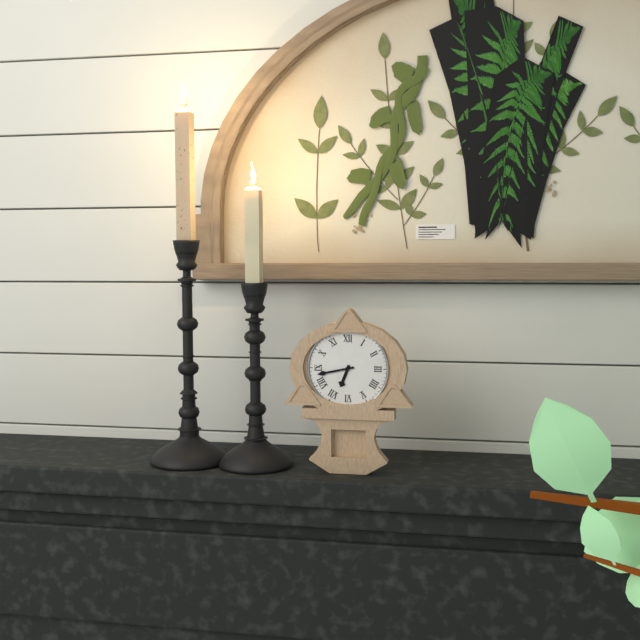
6:43
